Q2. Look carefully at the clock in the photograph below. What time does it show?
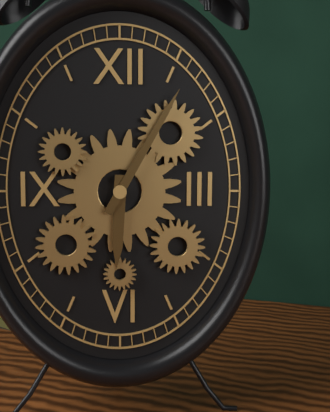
6:05
